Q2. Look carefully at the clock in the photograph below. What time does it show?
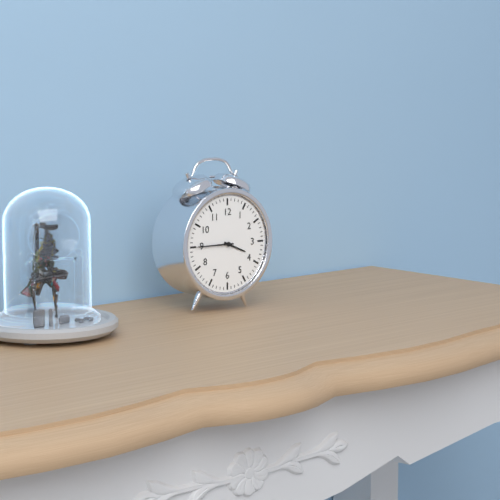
3:45
